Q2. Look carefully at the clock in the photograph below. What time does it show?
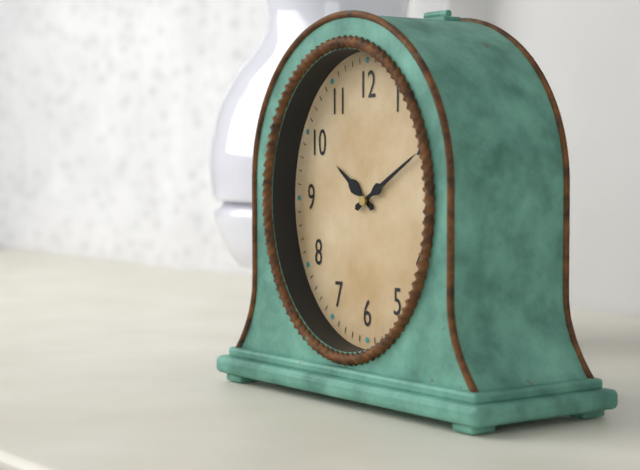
10:10
